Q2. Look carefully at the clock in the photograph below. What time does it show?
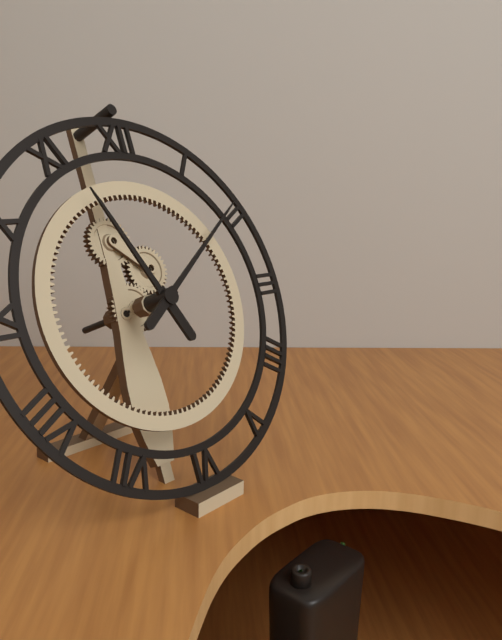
11:09
